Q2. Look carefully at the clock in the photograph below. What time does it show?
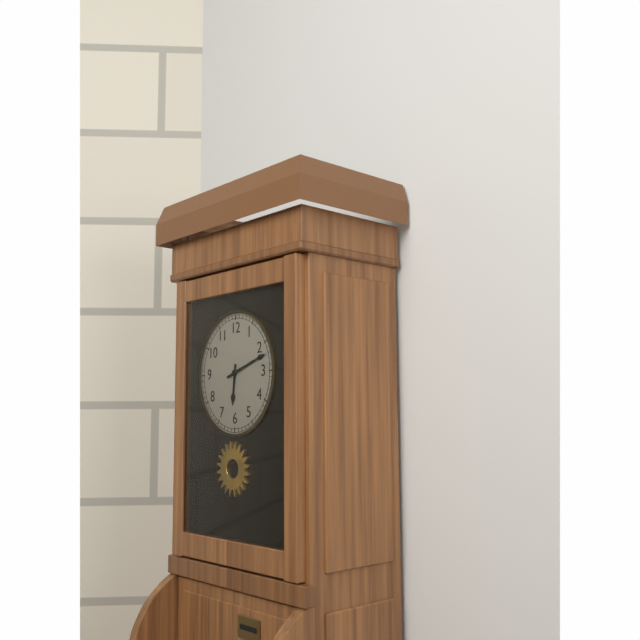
6:12
